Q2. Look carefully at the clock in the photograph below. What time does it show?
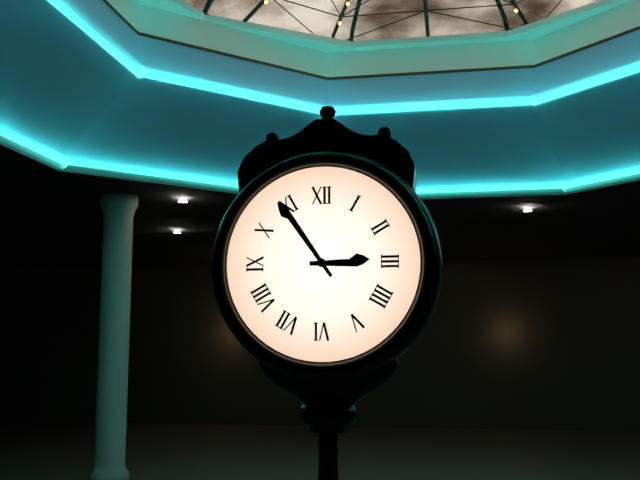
2:54
